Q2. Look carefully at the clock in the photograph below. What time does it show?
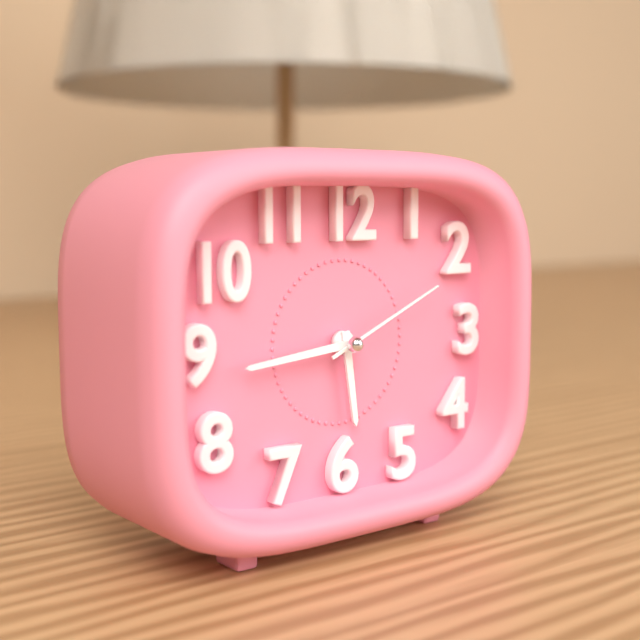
5:44:11
